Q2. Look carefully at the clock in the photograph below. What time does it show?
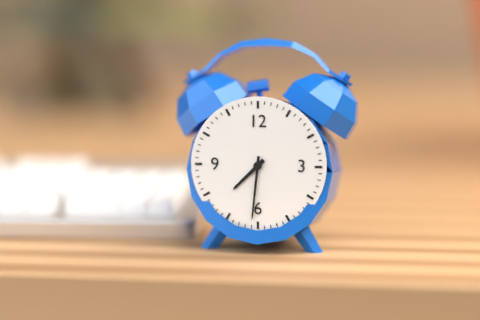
7:31
